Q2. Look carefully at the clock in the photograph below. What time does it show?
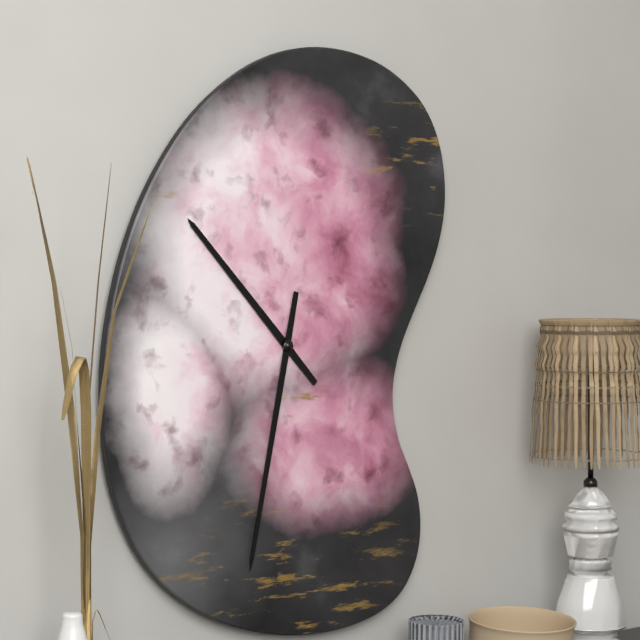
10:32
